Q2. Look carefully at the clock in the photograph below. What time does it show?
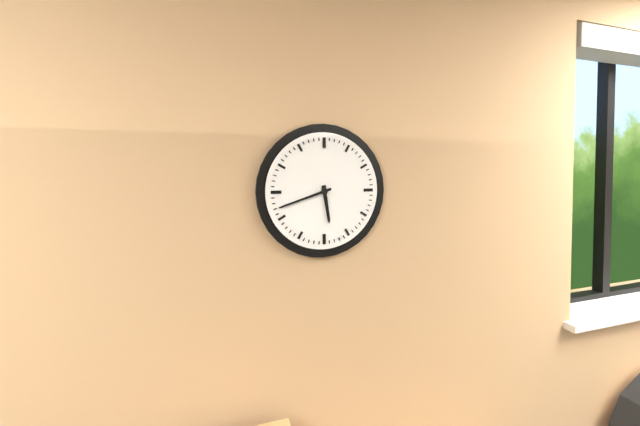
5:42
